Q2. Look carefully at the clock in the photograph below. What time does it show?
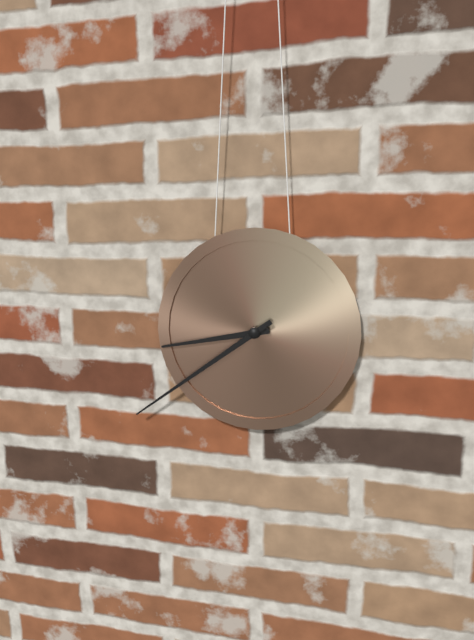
8:39
